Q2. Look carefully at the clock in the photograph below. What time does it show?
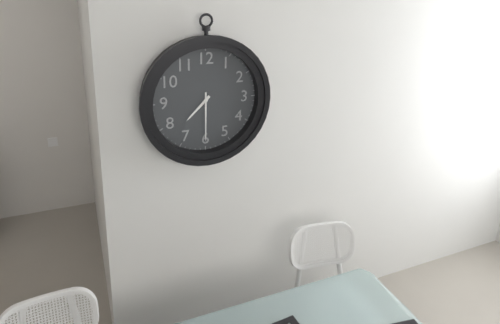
7:30
